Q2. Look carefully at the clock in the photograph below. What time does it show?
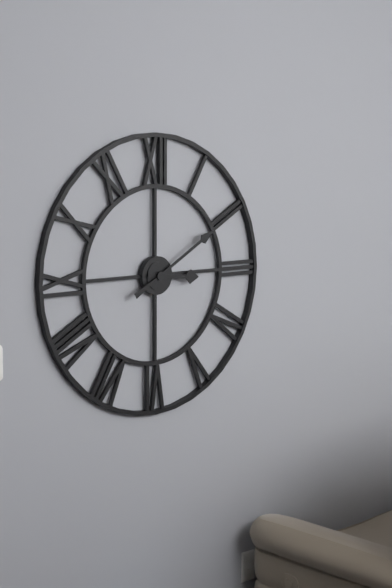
3:10
